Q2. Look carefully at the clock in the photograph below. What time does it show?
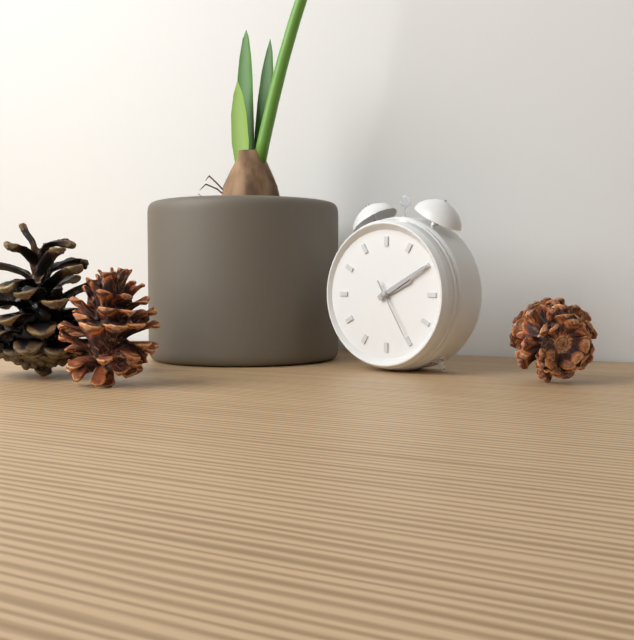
2:10:25
